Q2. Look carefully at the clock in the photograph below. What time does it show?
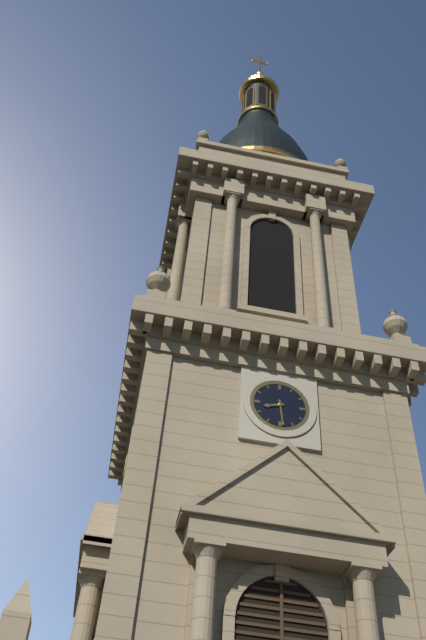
8:29
